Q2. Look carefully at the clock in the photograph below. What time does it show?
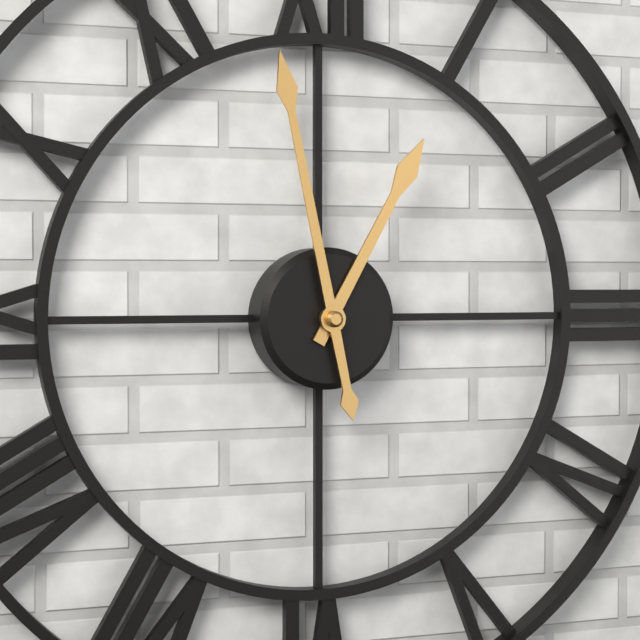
12:58
